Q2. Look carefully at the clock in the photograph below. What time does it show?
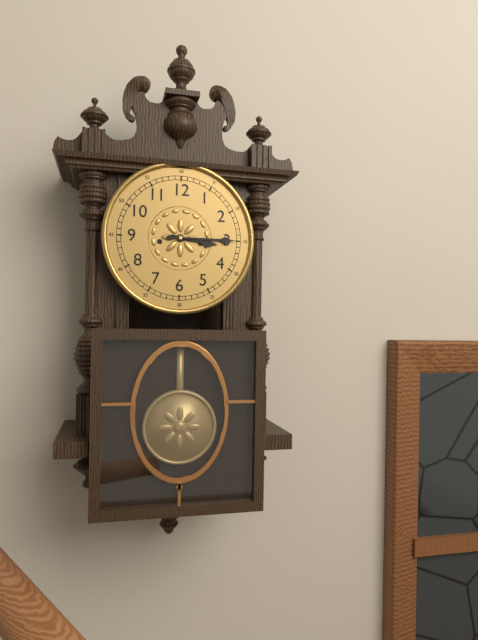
3:15
